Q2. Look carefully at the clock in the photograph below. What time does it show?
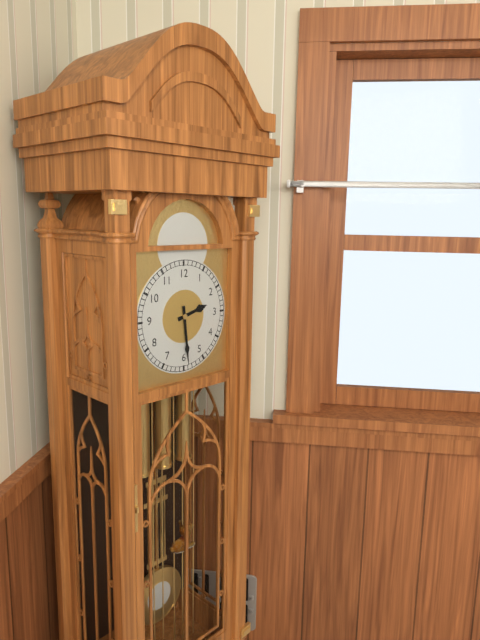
2:29
